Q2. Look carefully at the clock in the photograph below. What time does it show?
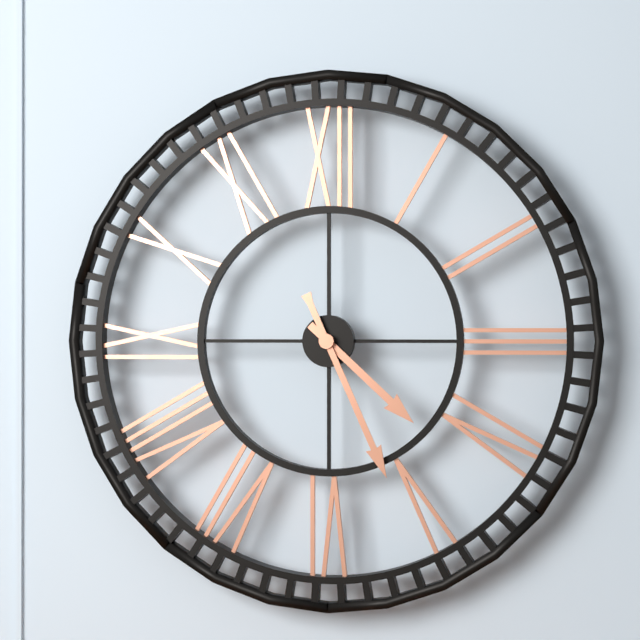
4:26
